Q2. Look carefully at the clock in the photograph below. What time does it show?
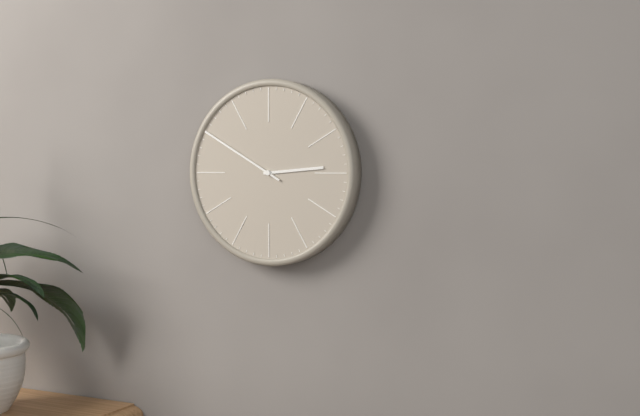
2:50
